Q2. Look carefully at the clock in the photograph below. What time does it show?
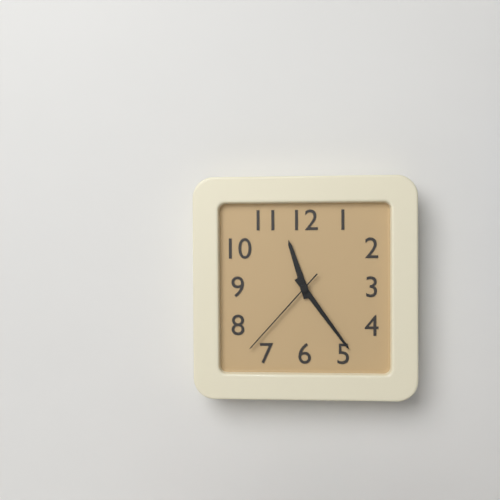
11:24:37
